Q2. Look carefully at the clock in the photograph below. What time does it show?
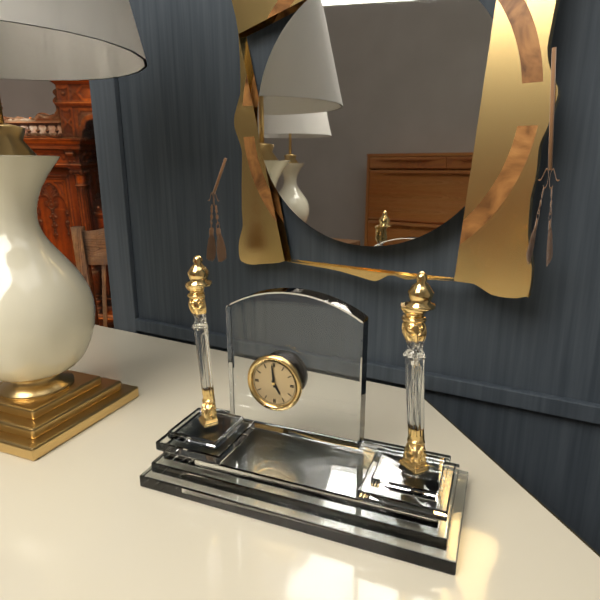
4:59
